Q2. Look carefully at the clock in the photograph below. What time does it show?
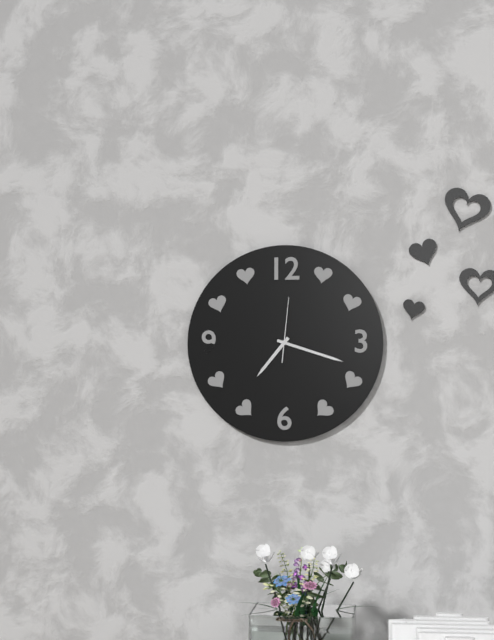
7:18:01
